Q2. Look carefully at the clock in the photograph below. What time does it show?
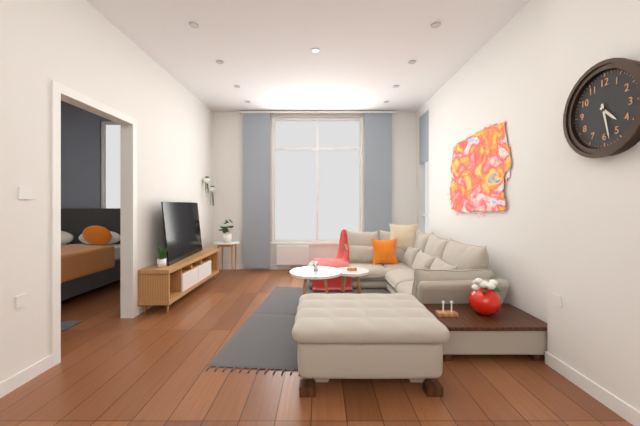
4:28
